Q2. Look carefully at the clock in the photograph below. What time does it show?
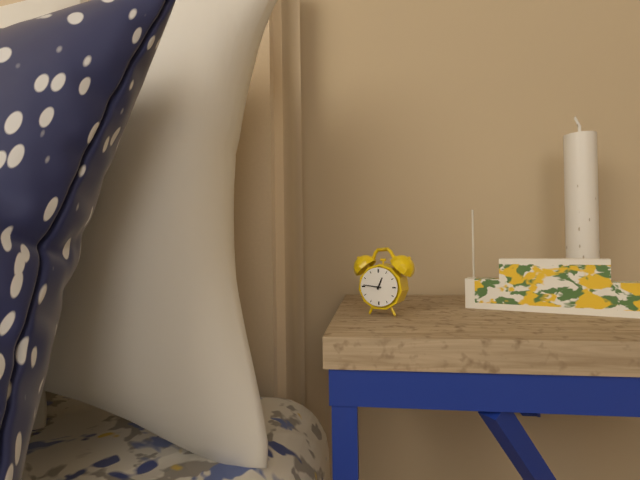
12:46
